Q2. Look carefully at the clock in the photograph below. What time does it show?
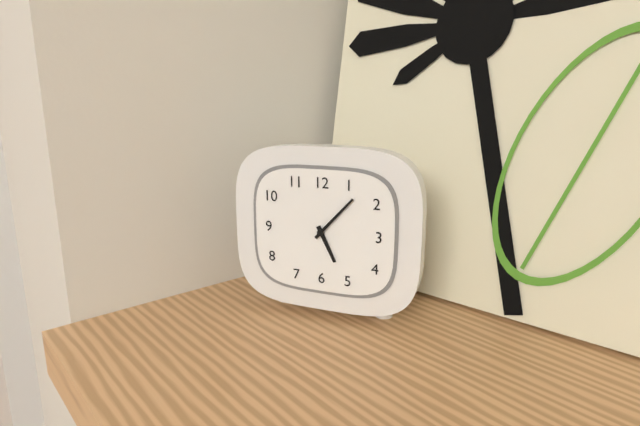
5:07
